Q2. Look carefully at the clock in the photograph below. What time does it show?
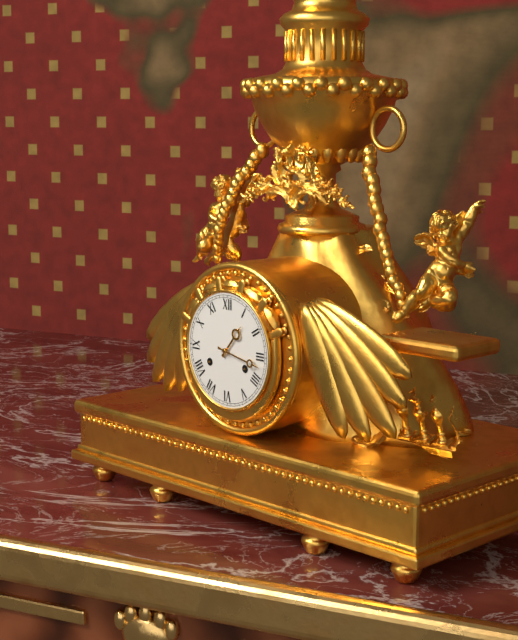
1:17
